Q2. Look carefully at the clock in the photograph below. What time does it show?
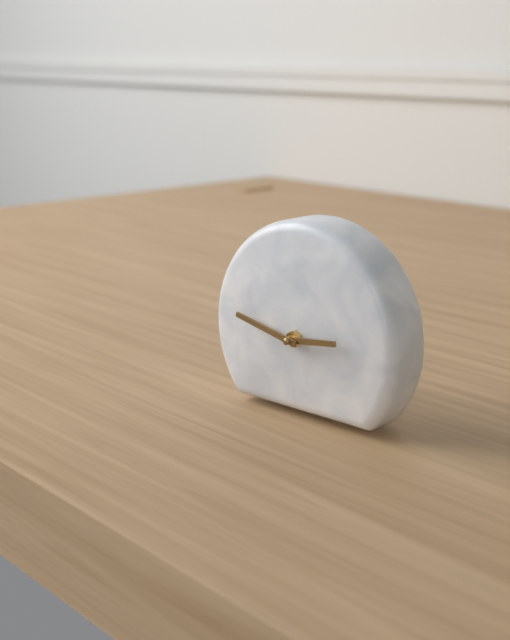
2:47
